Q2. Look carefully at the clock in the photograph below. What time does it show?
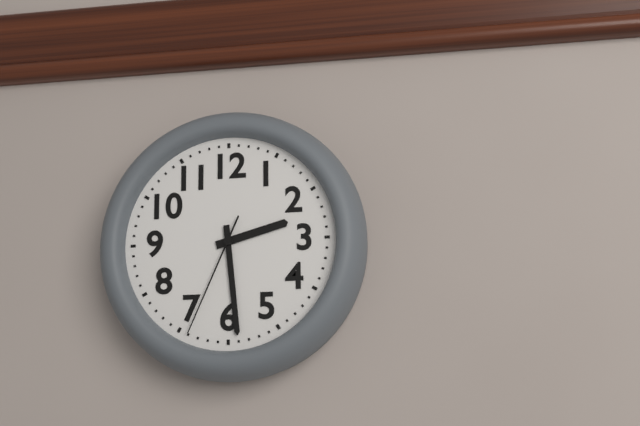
2:29:34
